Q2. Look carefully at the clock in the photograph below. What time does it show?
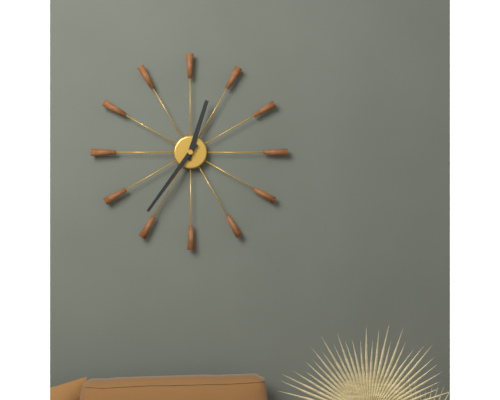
12:36
